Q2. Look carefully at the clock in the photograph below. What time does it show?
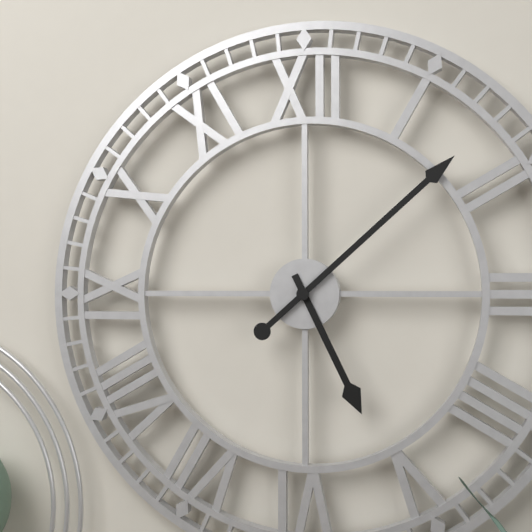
5:08
